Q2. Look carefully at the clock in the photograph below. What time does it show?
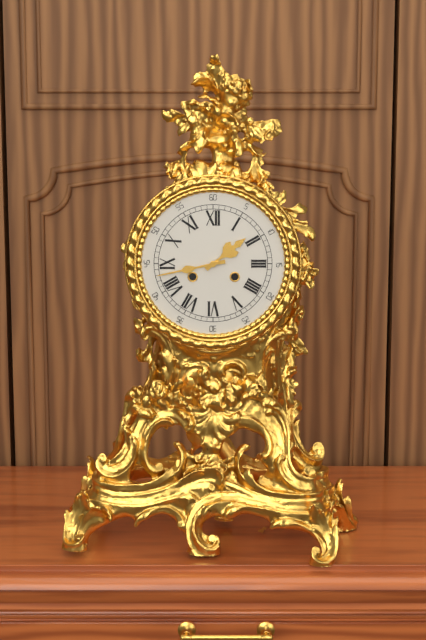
1:43
